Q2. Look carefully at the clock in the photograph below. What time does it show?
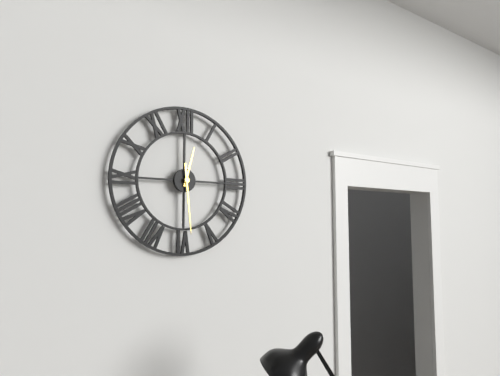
12:29
